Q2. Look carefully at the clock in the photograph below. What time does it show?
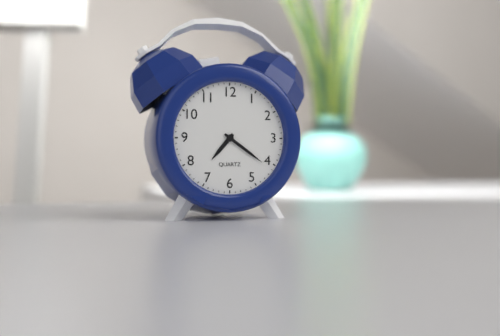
7:21
